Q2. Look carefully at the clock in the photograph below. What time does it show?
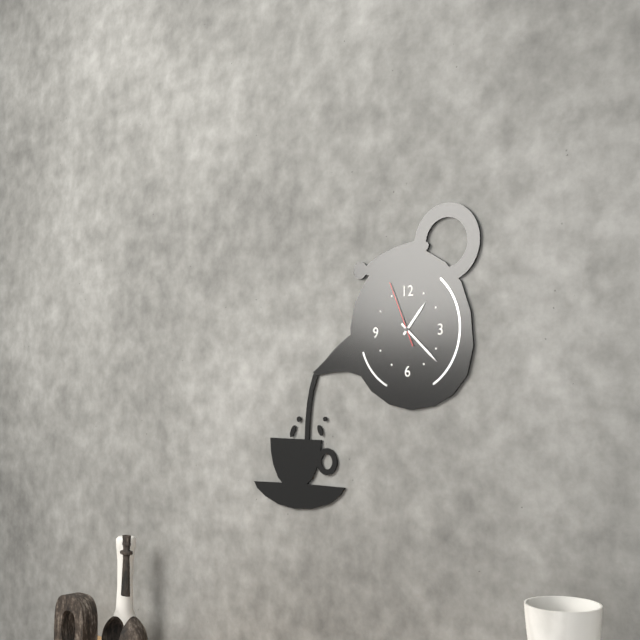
1:22:56
